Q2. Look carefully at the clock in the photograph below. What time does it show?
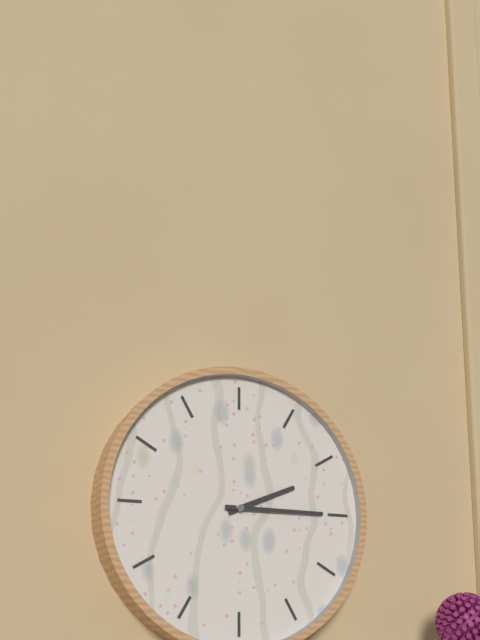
2:15
